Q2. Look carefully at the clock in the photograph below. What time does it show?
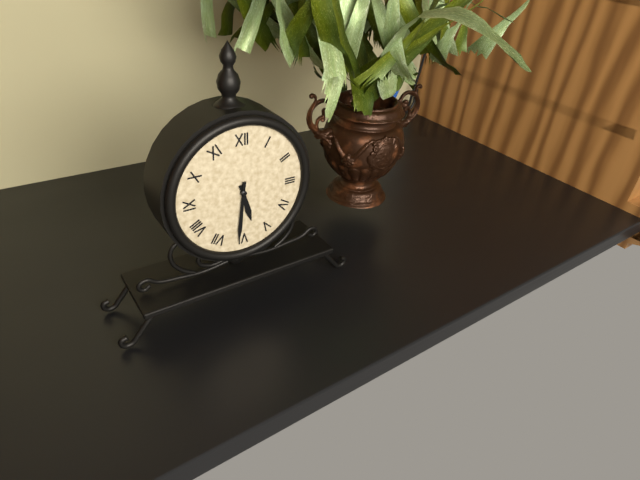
5:31
